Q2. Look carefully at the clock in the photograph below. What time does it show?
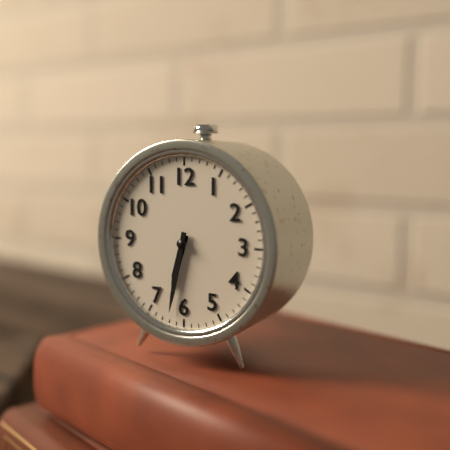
6:32
